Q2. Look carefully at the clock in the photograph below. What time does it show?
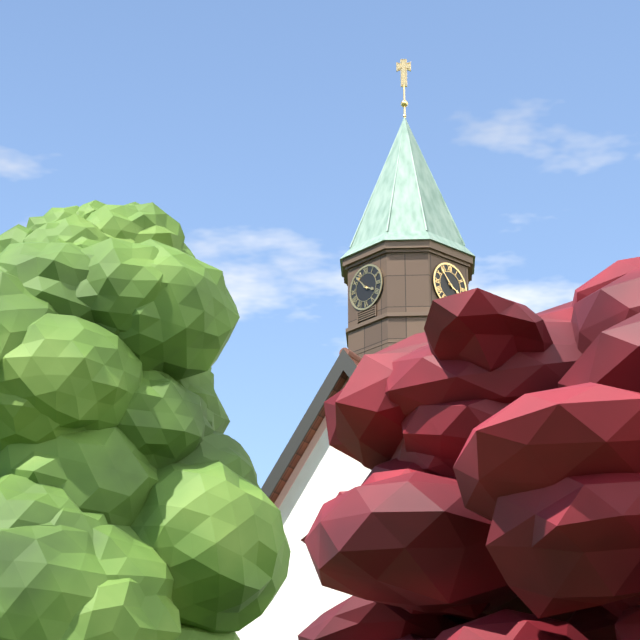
3:53
